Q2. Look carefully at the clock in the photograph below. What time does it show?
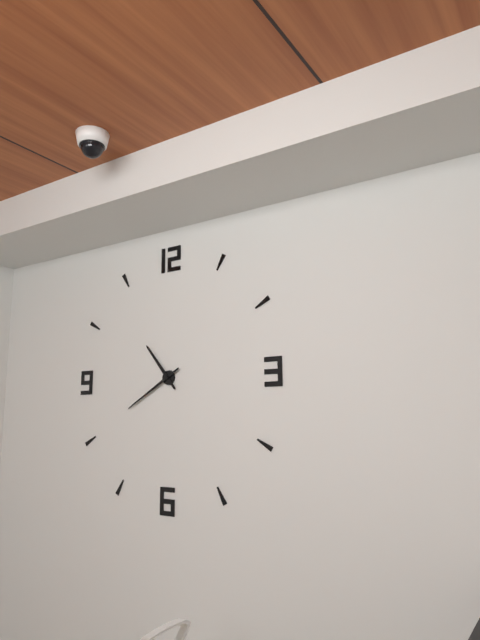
10:40
